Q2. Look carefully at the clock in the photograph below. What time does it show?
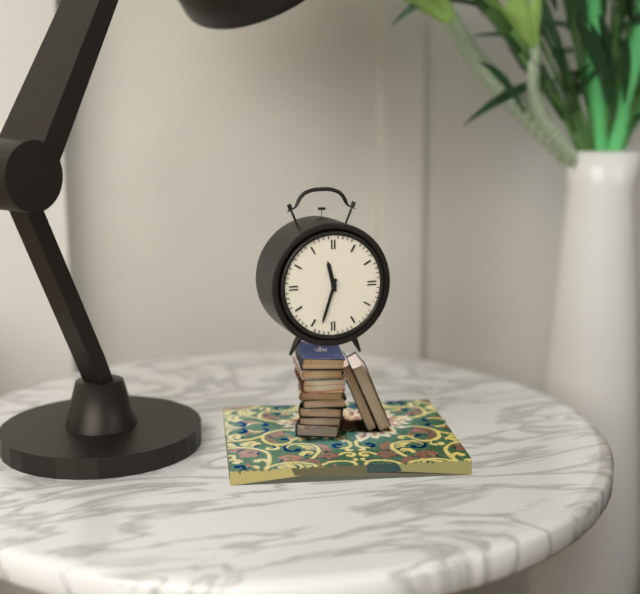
11:33
